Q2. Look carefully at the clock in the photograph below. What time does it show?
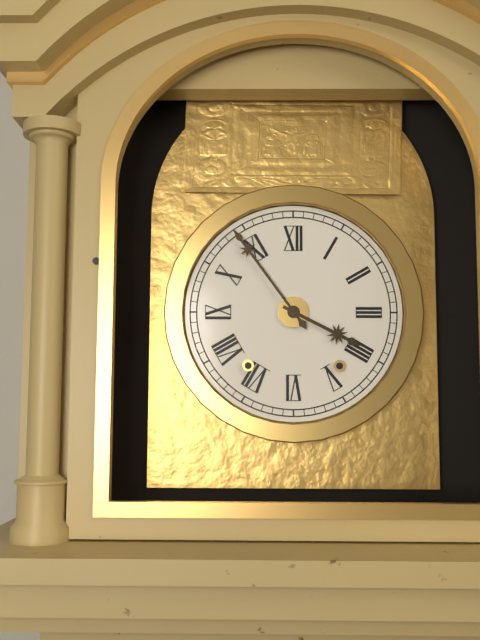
3:54
